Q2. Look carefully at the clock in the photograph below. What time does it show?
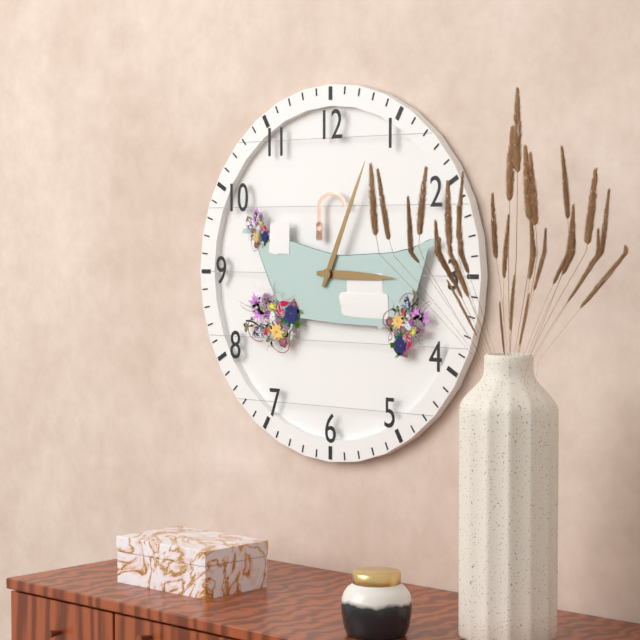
3:04
